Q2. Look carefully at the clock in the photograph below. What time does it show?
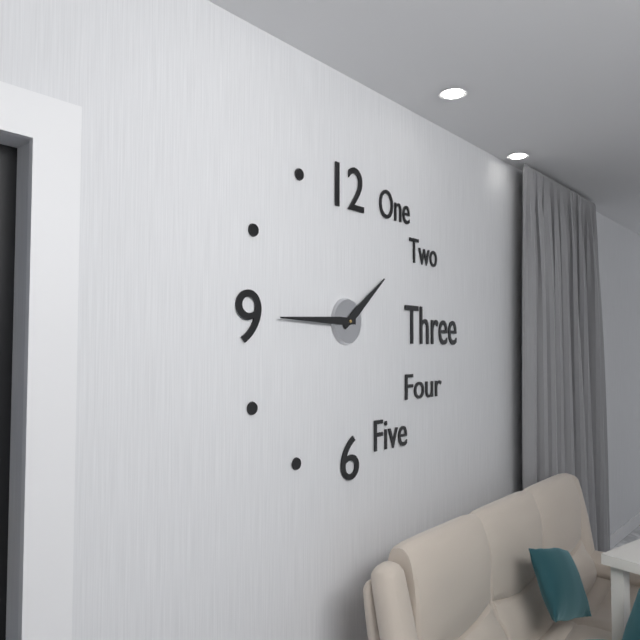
1:45
